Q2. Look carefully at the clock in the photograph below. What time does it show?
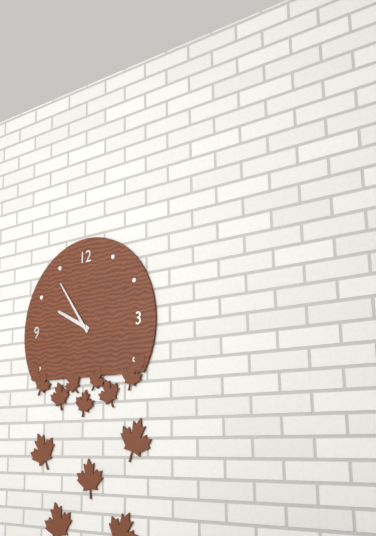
9:54
